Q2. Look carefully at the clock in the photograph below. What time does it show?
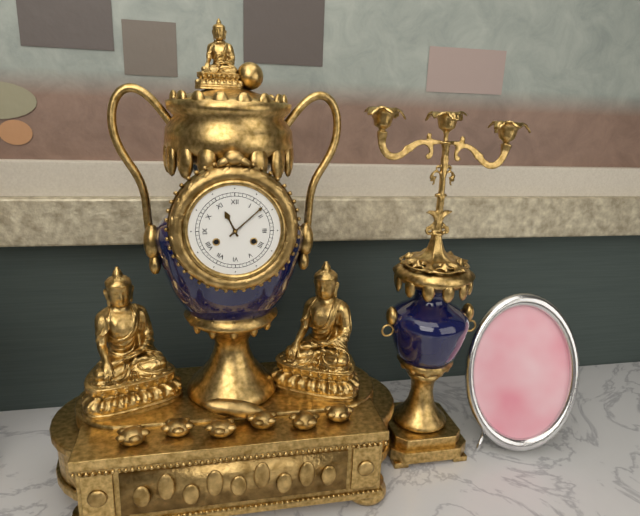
11:08
